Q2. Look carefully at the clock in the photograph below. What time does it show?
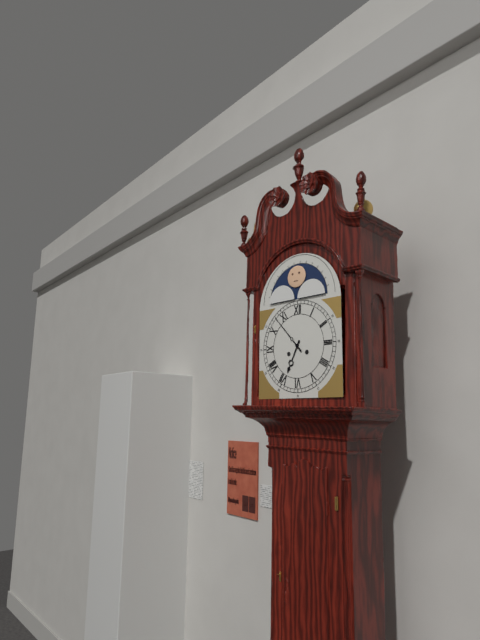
6:53
